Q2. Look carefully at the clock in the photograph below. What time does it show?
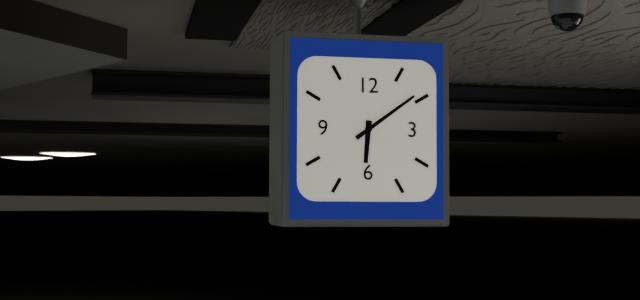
6:09
